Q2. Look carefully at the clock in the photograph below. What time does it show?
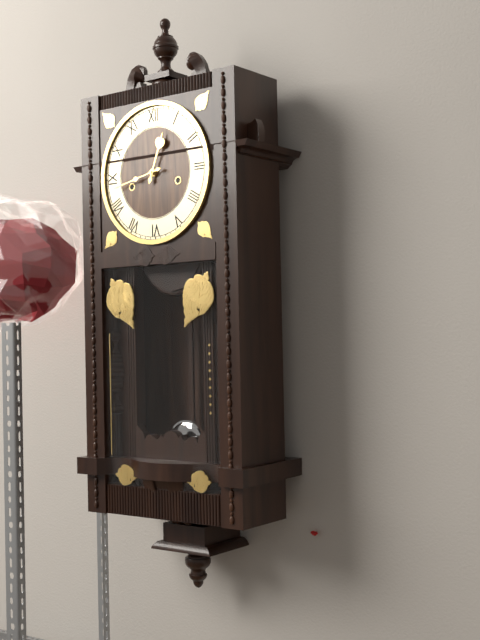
12:43
